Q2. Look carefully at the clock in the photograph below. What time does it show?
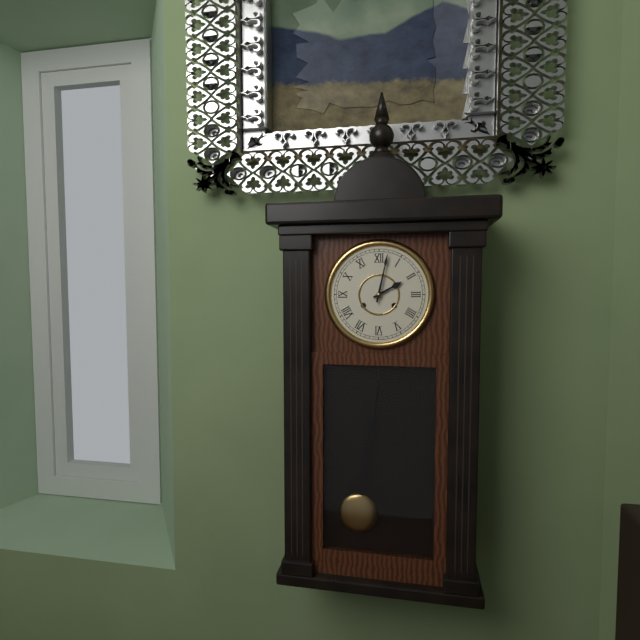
2:02
